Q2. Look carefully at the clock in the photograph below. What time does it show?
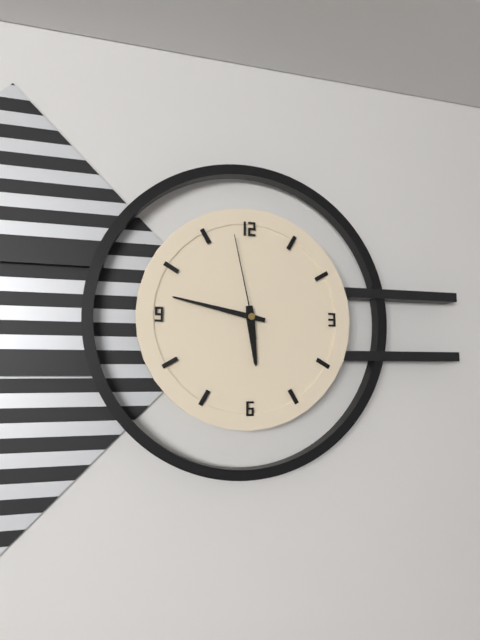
5:47:58
